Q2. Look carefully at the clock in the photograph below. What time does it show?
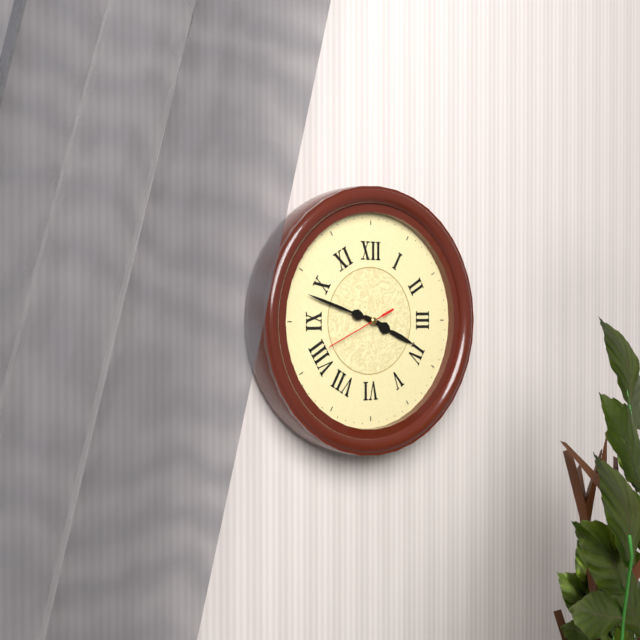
3:48:41
